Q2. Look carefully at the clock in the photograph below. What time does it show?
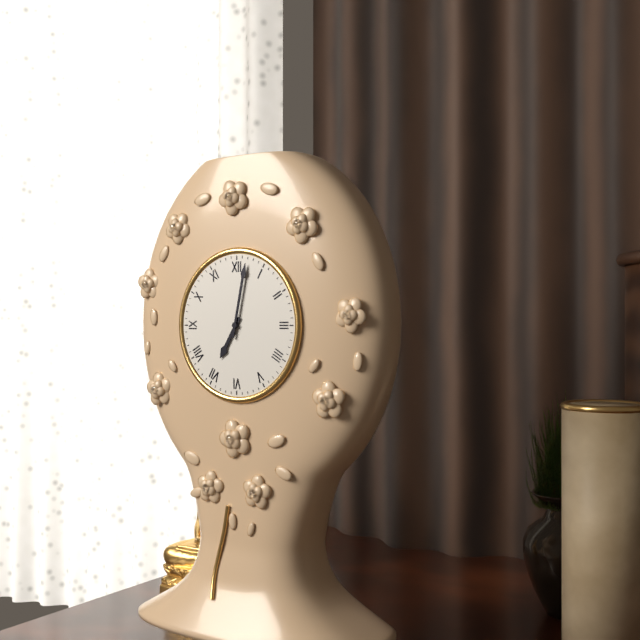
7:02
